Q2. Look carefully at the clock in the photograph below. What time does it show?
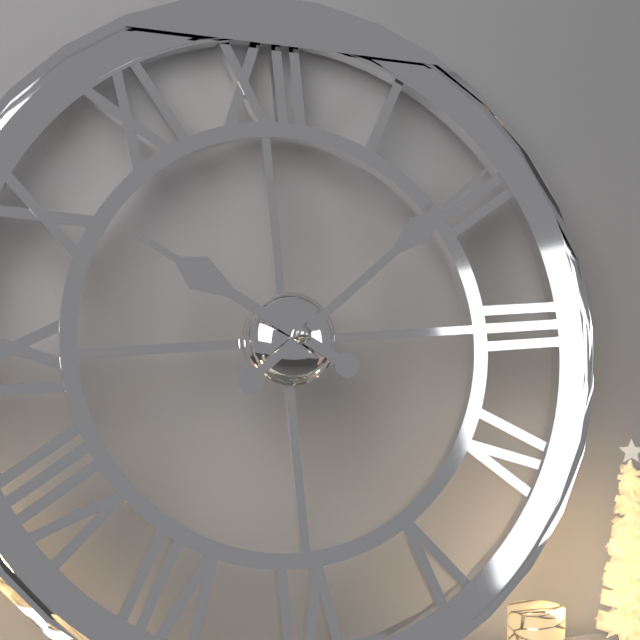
10:09
